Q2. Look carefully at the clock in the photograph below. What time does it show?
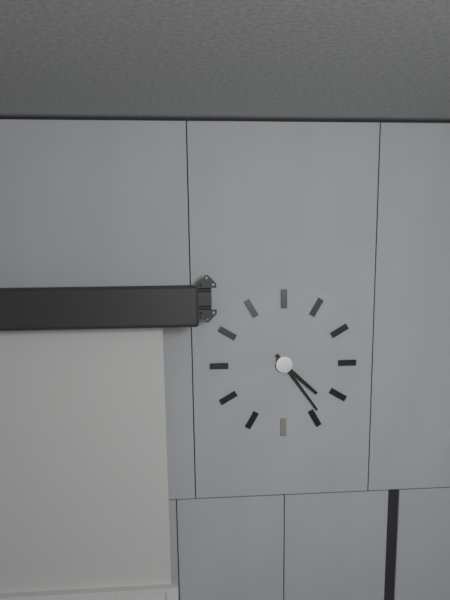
4:24
